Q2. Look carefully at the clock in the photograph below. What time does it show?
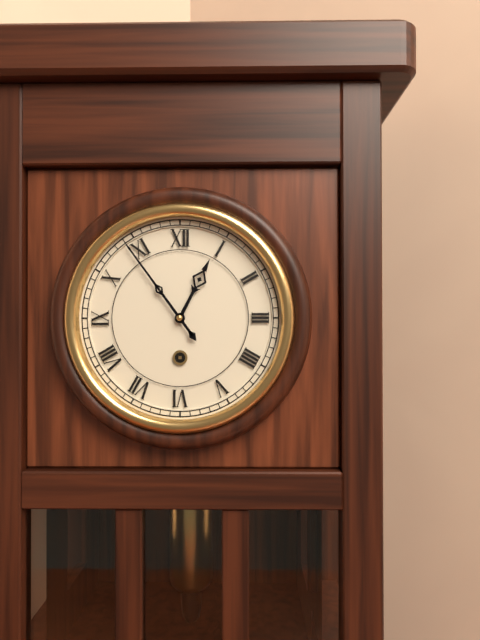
12:54
